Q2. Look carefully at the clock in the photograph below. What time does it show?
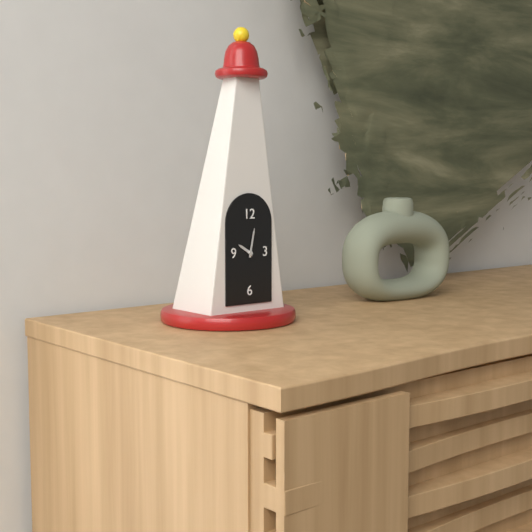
10:02
